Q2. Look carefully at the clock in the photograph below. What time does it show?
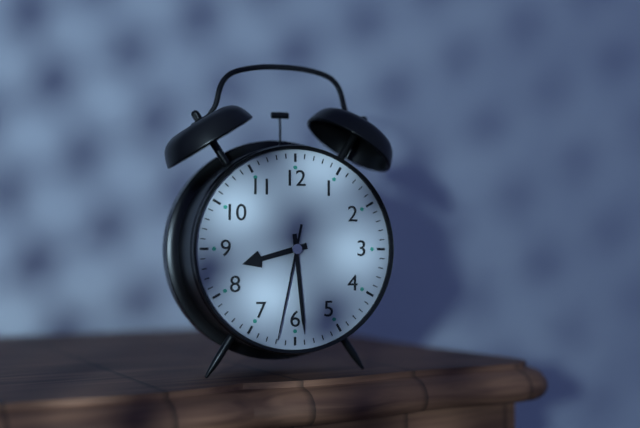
8:29:32
